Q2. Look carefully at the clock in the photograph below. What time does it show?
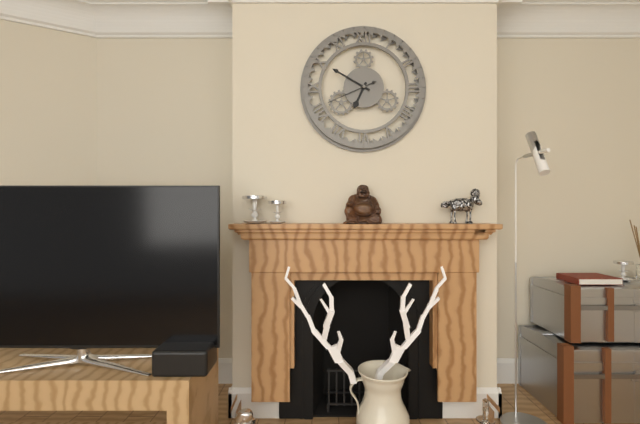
6:50
